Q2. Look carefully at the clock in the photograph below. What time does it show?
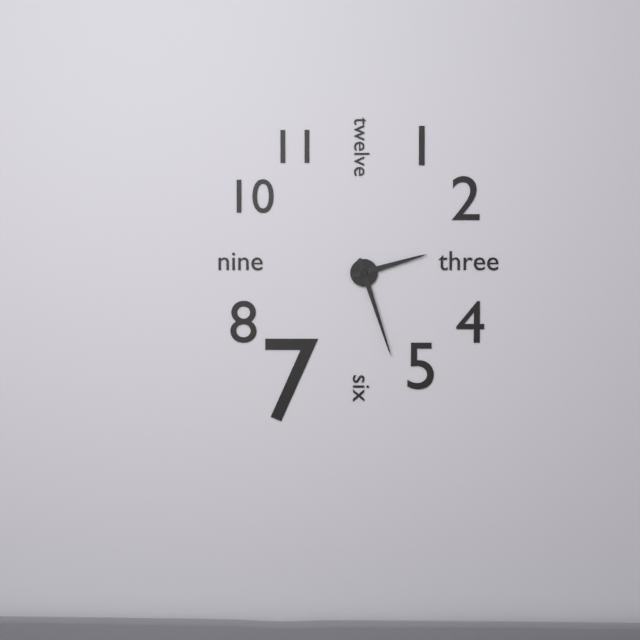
2:27
